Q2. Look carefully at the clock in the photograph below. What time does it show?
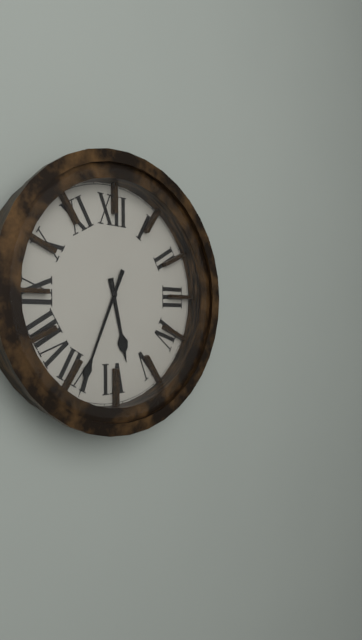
5:34
